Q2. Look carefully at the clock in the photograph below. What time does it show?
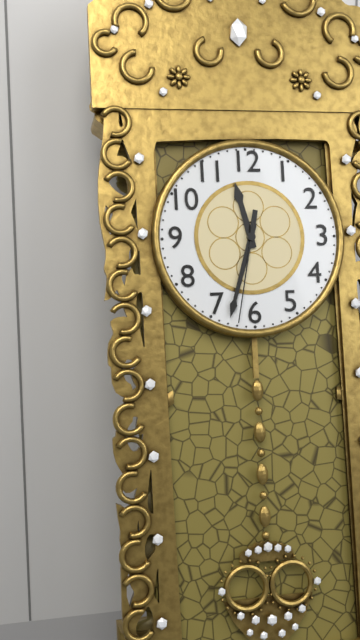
11:33:32
